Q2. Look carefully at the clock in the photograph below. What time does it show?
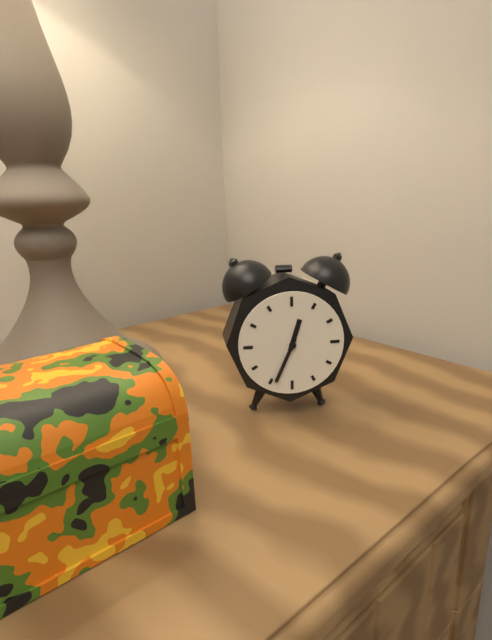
12:34
